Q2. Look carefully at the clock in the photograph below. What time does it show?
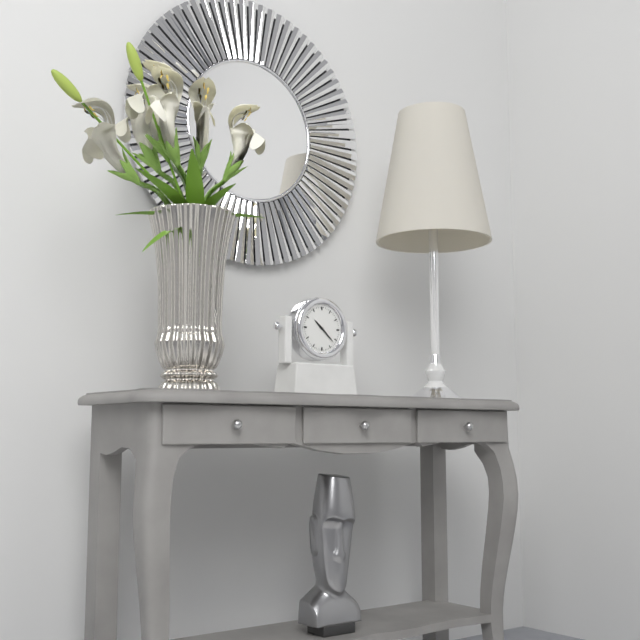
10:22
